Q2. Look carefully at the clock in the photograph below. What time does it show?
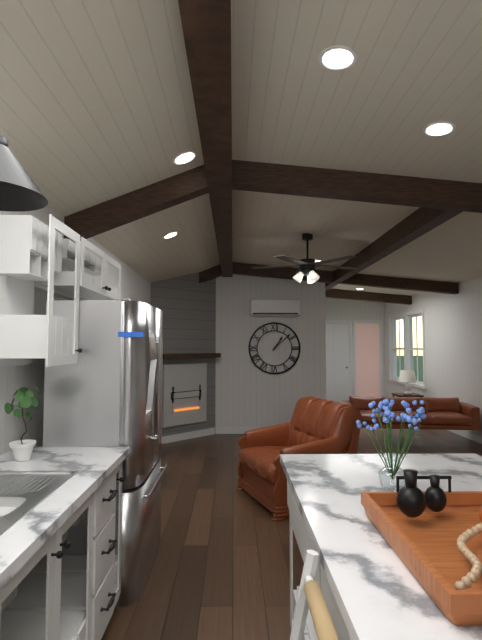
1:08
